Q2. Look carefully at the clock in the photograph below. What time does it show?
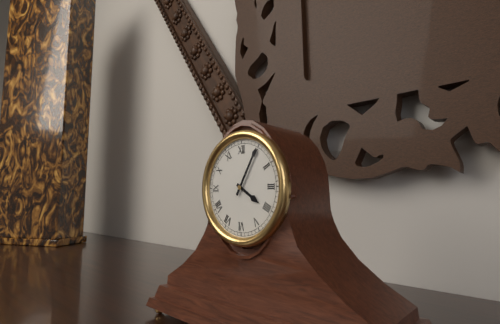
4:05
